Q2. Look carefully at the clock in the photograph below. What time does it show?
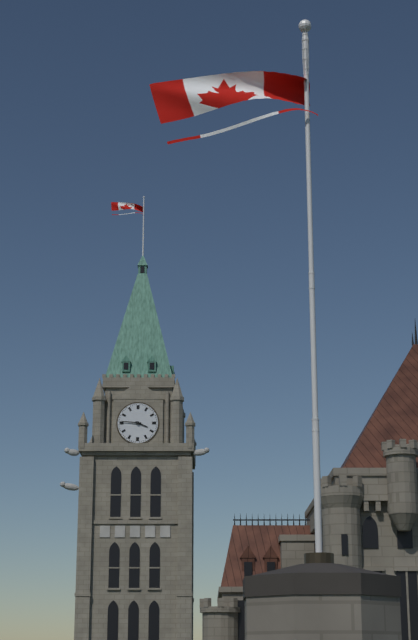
3:46
